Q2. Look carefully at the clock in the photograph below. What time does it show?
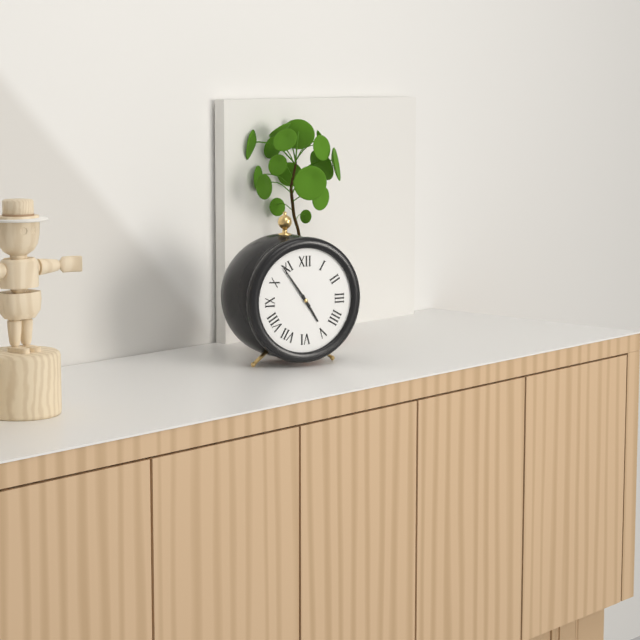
4:54
